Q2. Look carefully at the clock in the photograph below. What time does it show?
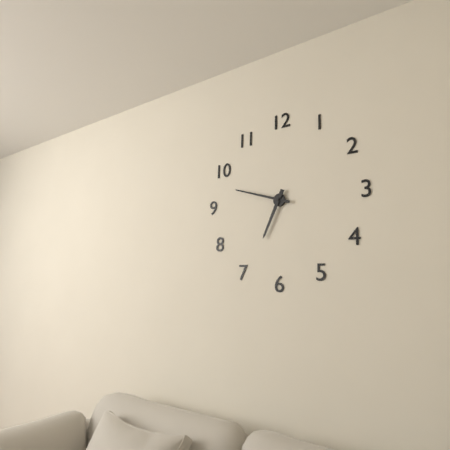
6:48
